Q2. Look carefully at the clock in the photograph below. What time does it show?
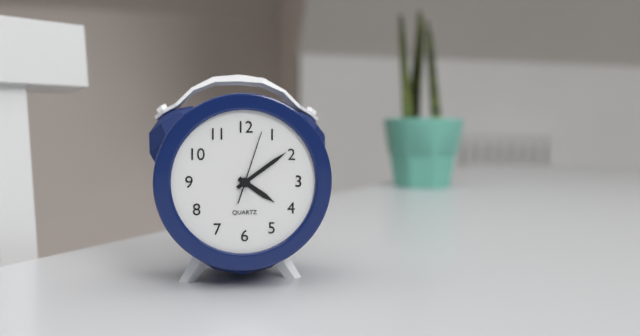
4:09:03
